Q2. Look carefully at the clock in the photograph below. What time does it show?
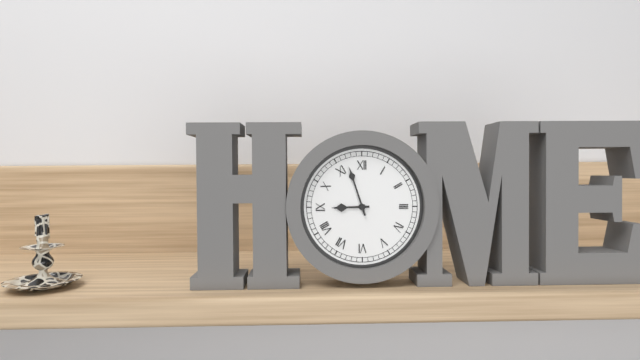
8:57
